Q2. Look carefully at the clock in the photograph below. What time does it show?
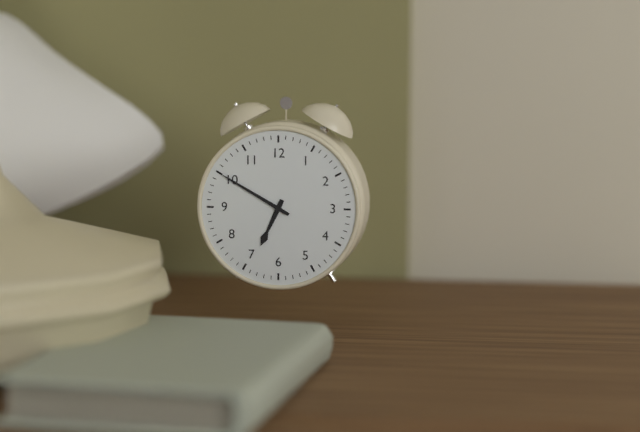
6:50
